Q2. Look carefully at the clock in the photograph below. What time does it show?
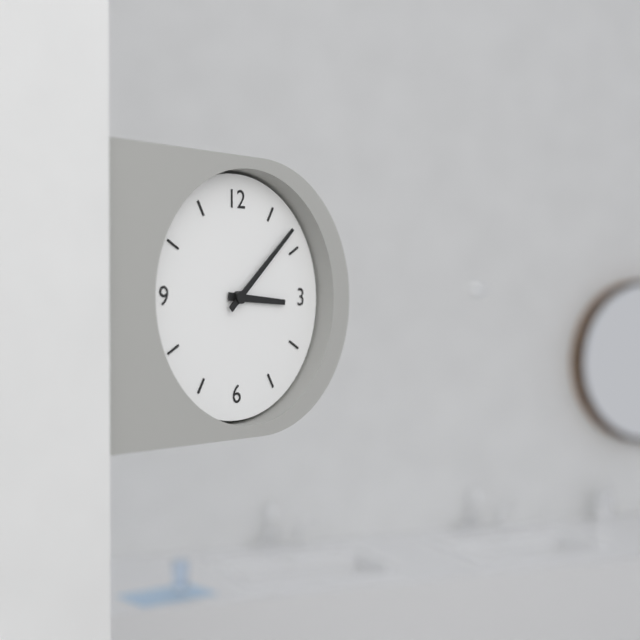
3:08
